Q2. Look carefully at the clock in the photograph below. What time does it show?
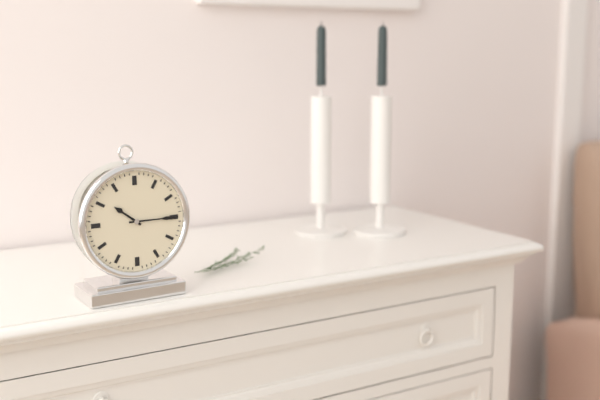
10:15
